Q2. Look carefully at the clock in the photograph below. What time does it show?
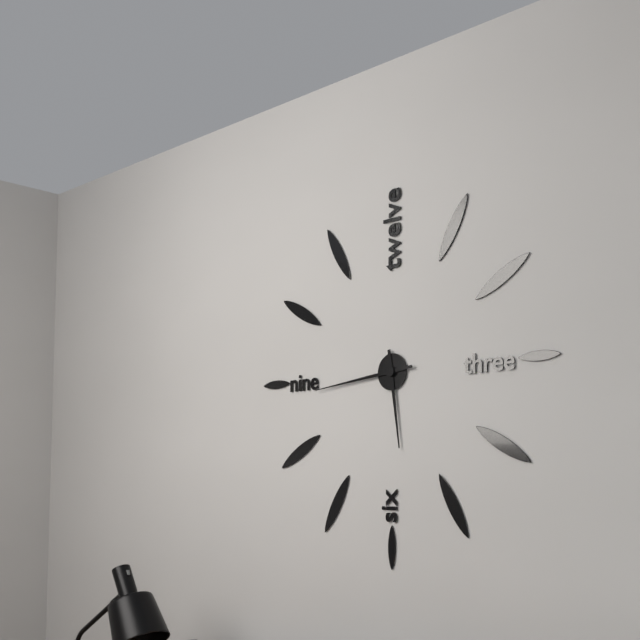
5:44
